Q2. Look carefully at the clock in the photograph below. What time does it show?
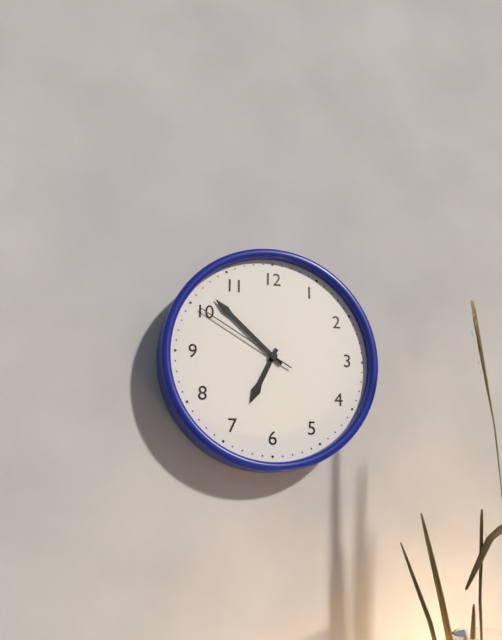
6:52:50
